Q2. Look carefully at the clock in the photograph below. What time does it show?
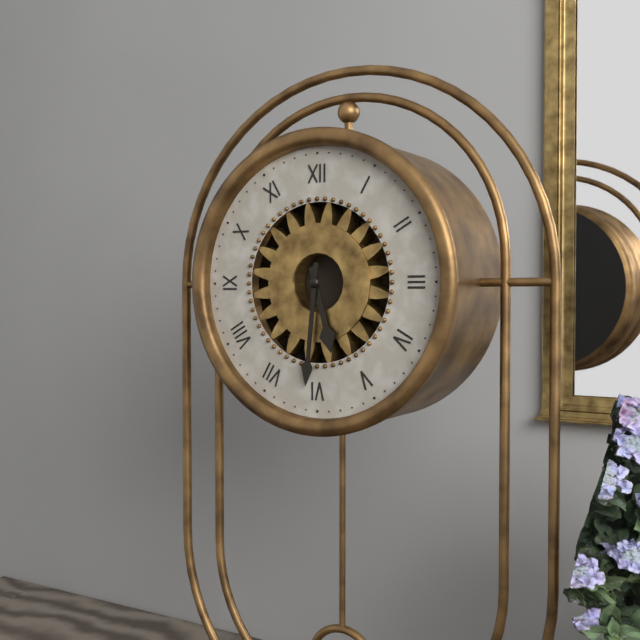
5:31
